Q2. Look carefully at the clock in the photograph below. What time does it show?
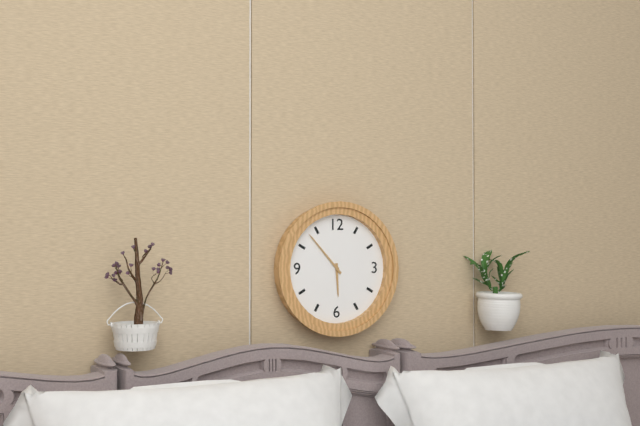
5:53
